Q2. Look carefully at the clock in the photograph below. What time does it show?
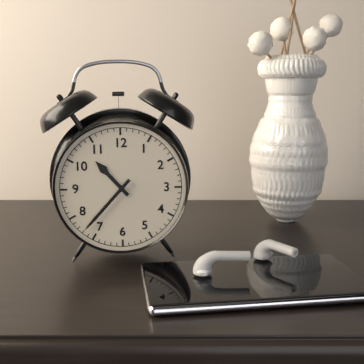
10:37
